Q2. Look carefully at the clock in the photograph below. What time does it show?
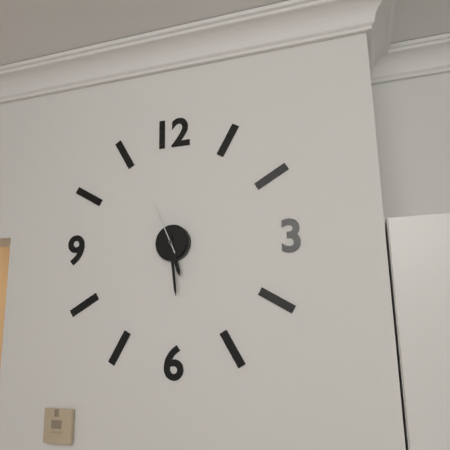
5:29:56
